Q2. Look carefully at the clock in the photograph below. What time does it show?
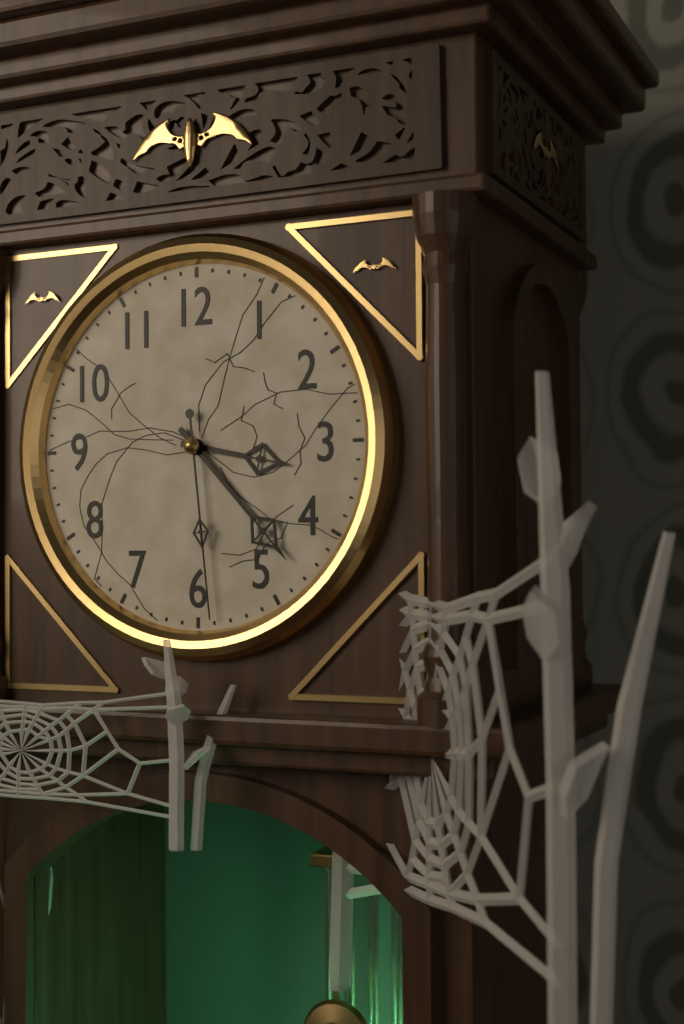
3:23:29
